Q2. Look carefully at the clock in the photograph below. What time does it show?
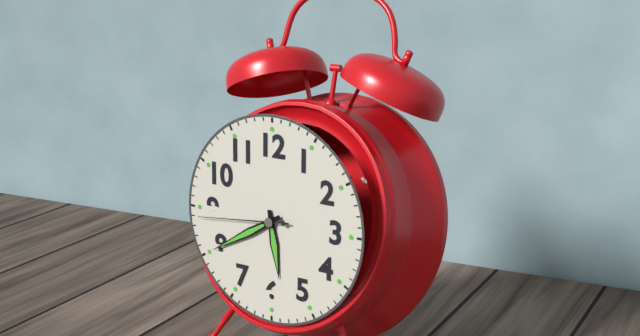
5:40:44
